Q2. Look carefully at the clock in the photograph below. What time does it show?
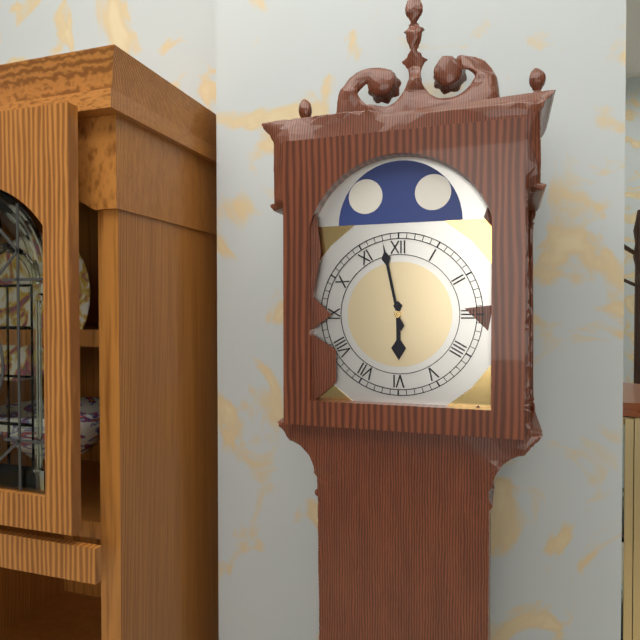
5:58
